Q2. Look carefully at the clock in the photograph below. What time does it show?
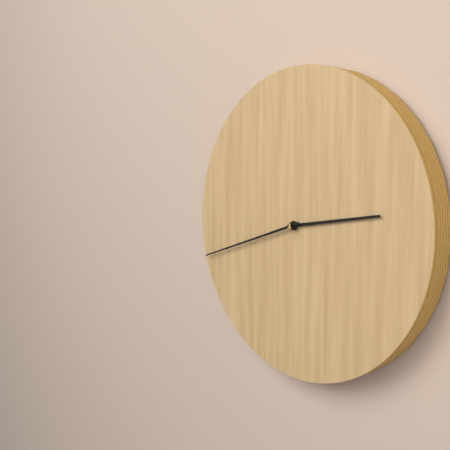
2:42
